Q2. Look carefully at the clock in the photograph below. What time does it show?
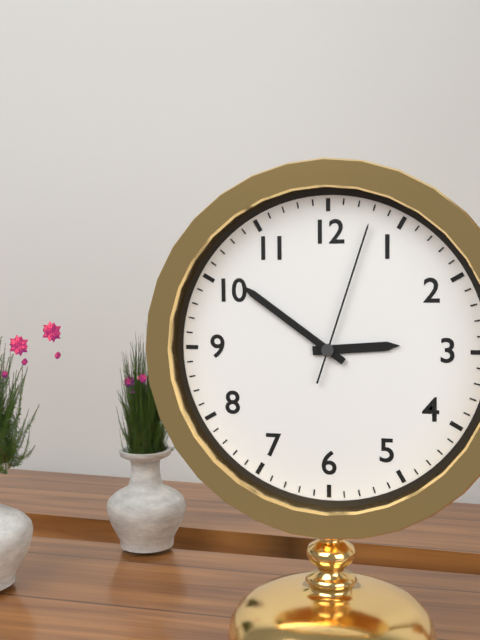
2:51:03
